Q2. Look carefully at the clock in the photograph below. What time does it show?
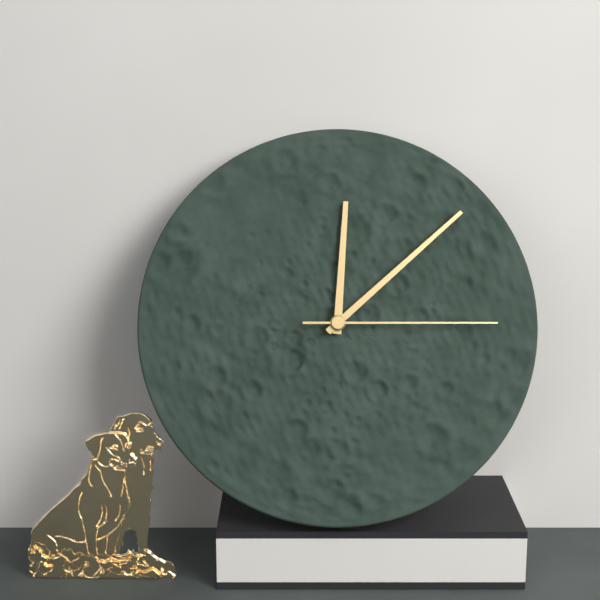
12:08:15
